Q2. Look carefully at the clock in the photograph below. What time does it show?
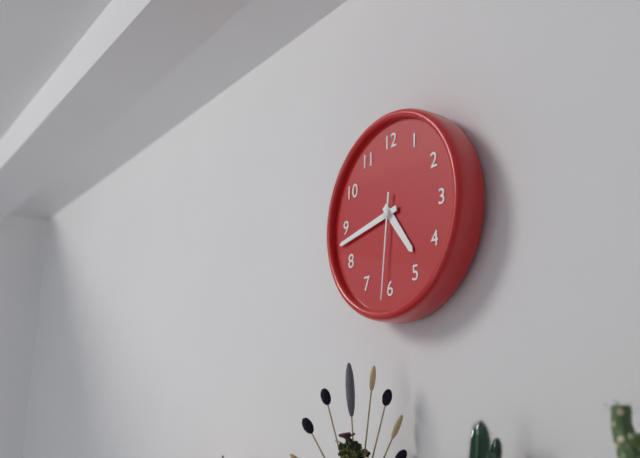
4:43:31
